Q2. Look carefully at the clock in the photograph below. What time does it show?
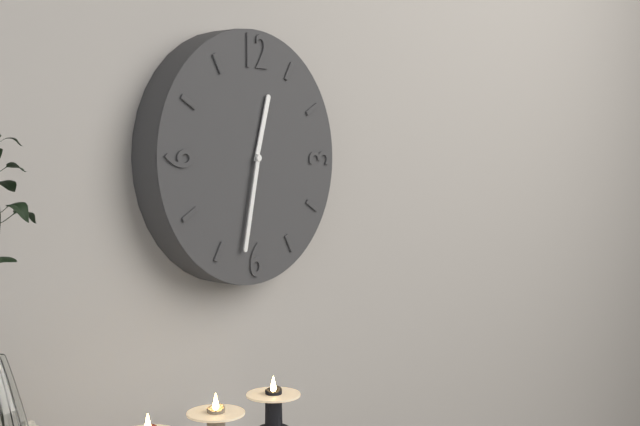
12:32
